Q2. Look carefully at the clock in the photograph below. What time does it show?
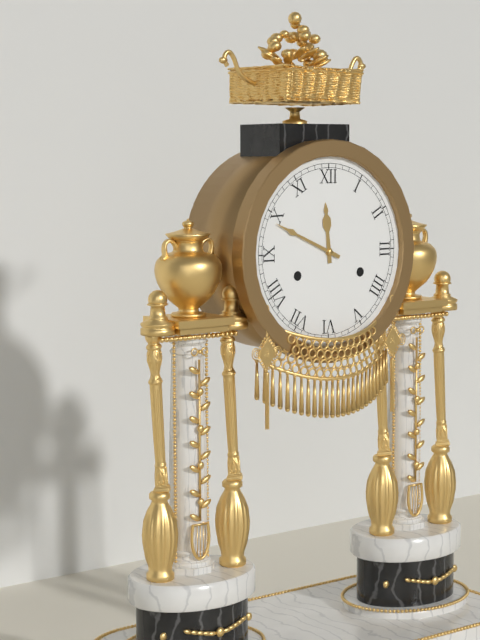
11:49
